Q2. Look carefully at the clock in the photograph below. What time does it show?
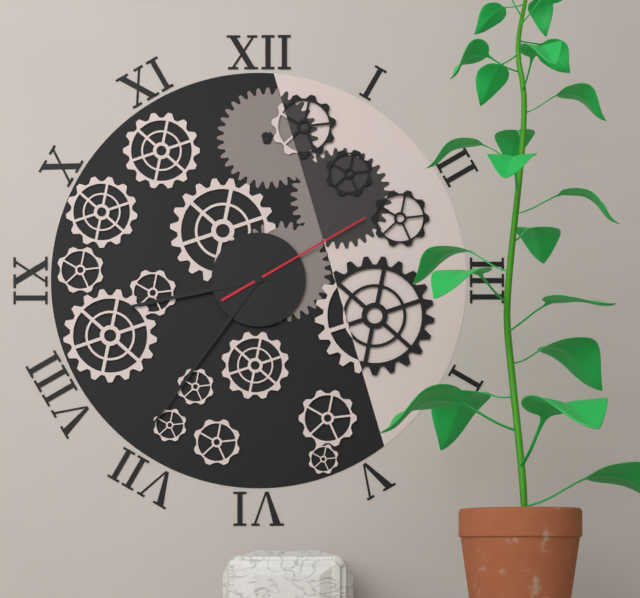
8:36:10
